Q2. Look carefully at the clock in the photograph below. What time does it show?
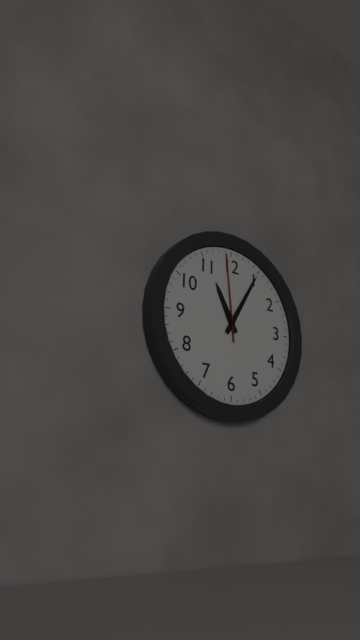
11:05:59
